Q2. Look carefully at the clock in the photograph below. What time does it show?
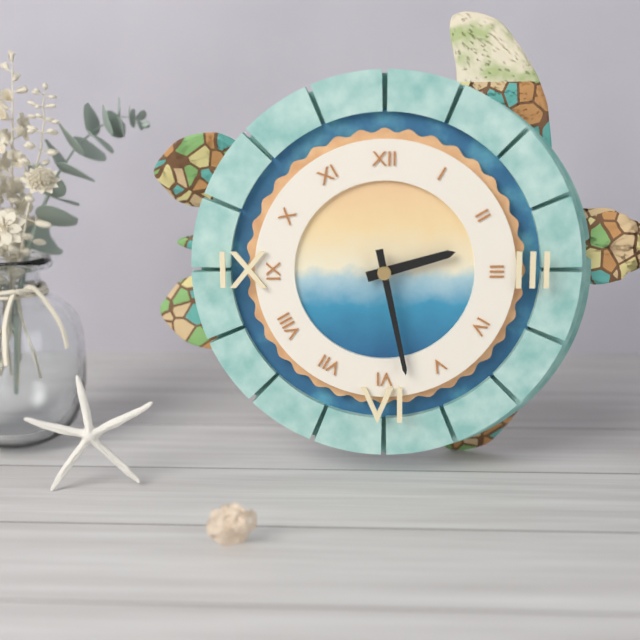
2:28
